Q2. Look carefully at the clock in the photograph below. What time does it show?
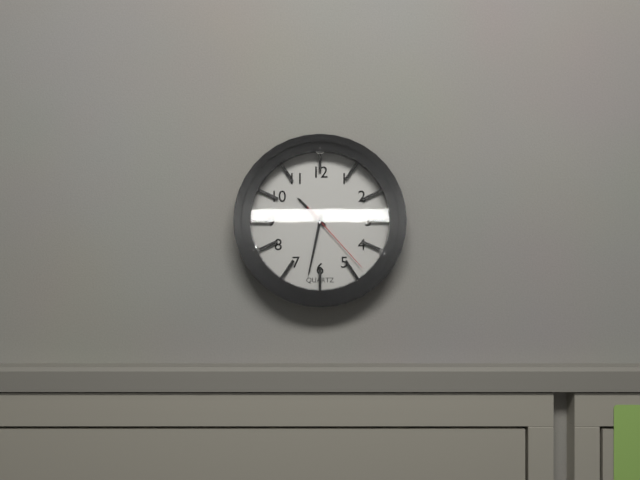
10:32:23
